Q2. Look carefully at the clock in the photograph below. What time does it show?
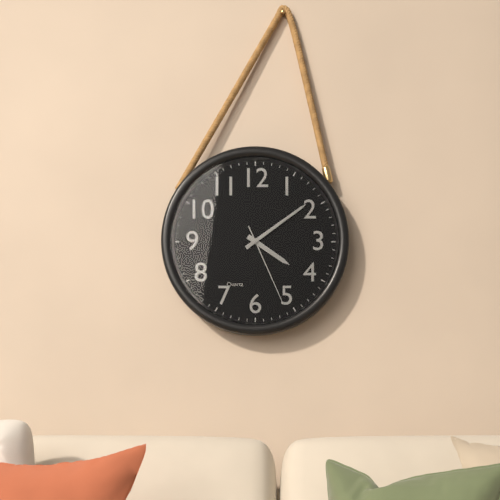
4:09:26
